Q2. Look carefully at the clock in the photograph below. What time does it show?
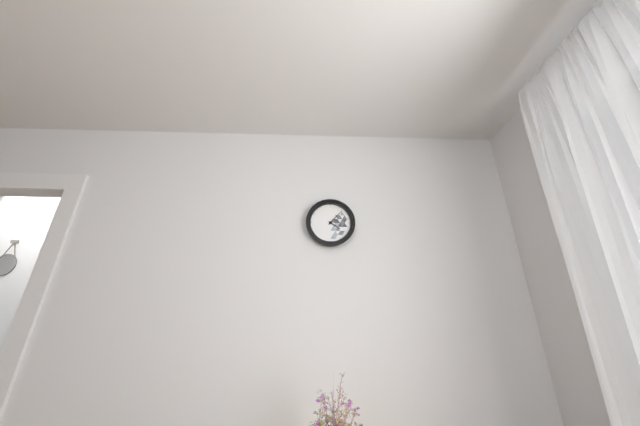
4:07
